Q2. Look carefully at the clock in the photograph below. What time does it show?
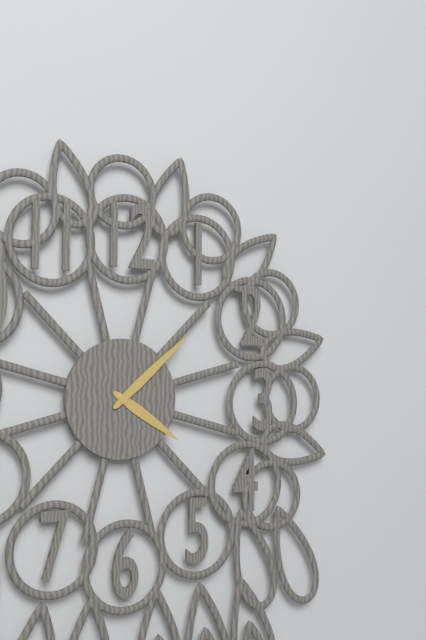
4:08
